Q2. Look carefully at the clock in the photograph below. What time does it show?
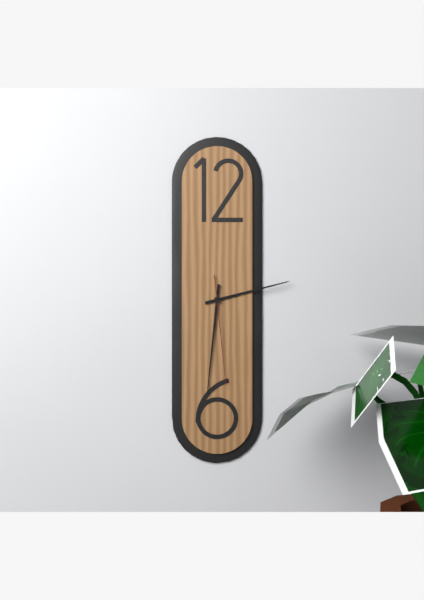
2:31:29
